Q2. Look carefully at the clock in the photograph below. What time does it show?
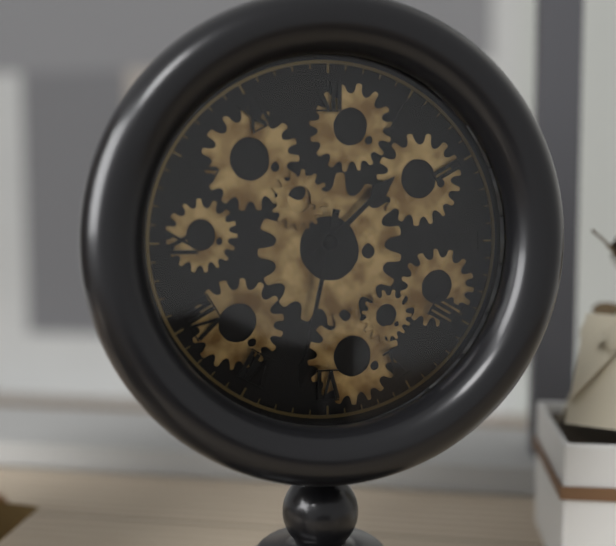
1:32
